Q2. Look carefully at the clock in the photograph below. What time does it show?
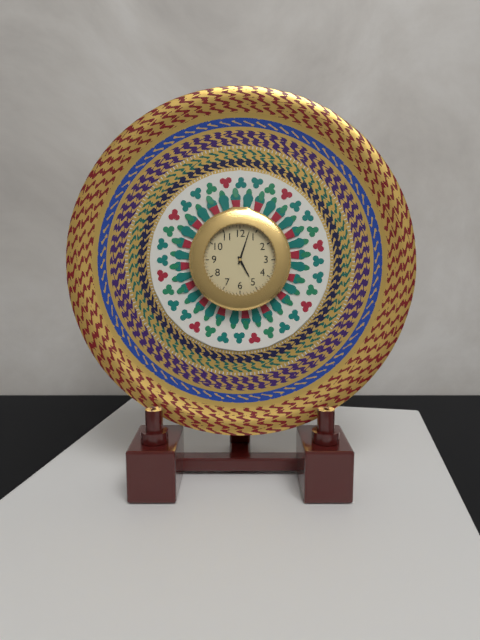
5:03
